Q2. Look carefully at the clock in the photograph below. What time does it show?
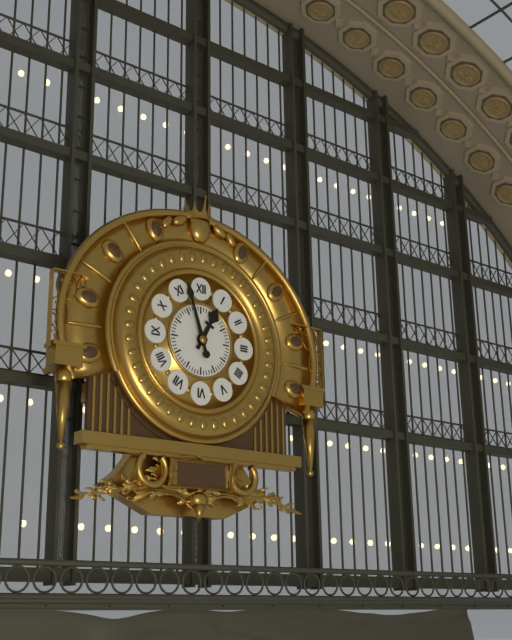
12:57
